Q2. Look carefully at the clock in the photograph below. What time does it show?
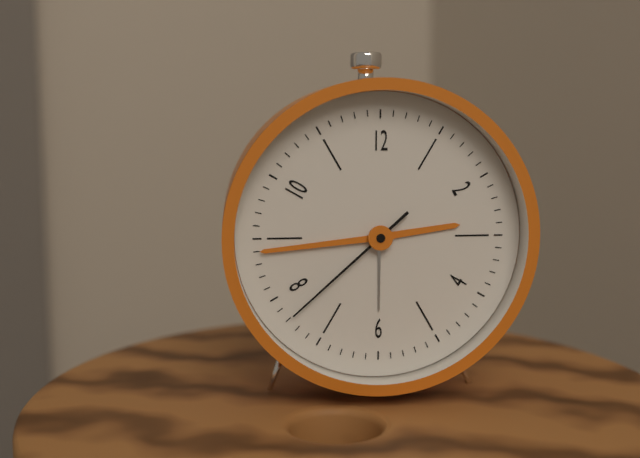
2:44:38
